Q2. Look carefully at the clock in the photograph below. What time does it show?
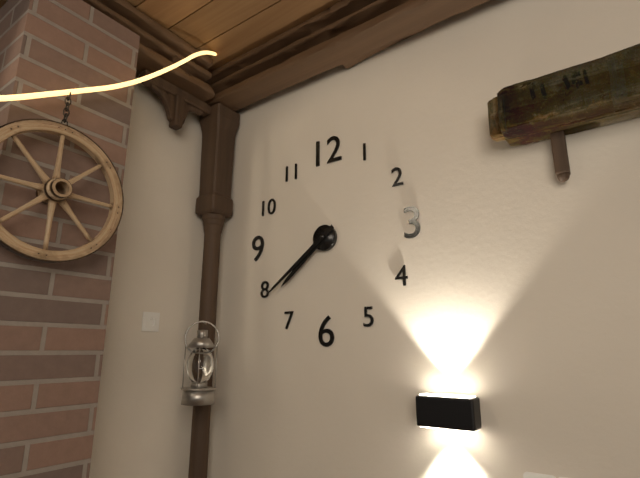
7:39
